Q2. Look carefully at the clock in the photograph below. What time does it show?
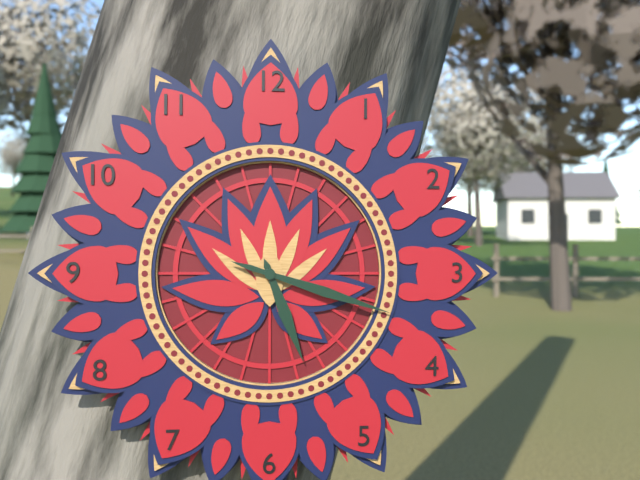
5:18
